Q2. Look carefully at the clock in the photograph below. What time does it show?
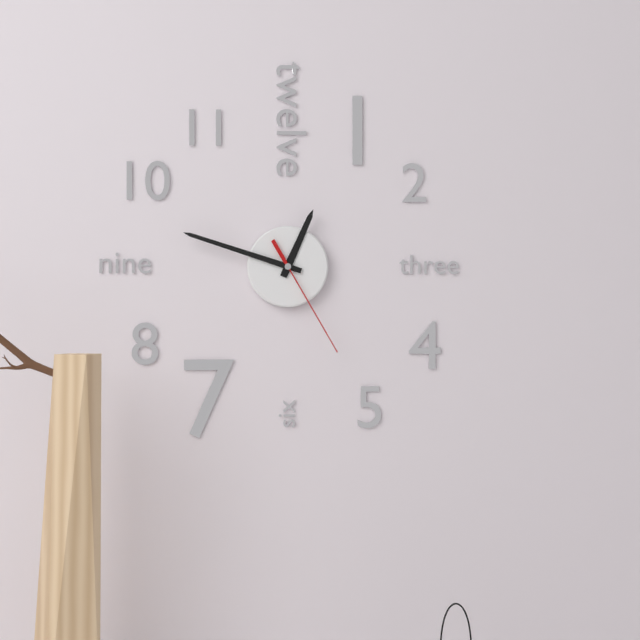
12:48:25
